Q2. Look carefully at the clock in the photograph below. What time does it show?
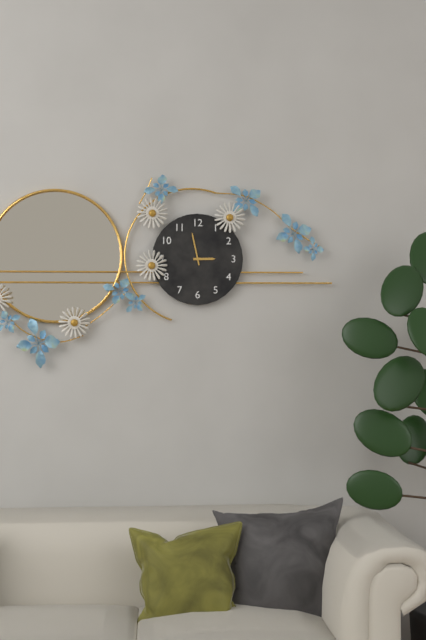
2:58
